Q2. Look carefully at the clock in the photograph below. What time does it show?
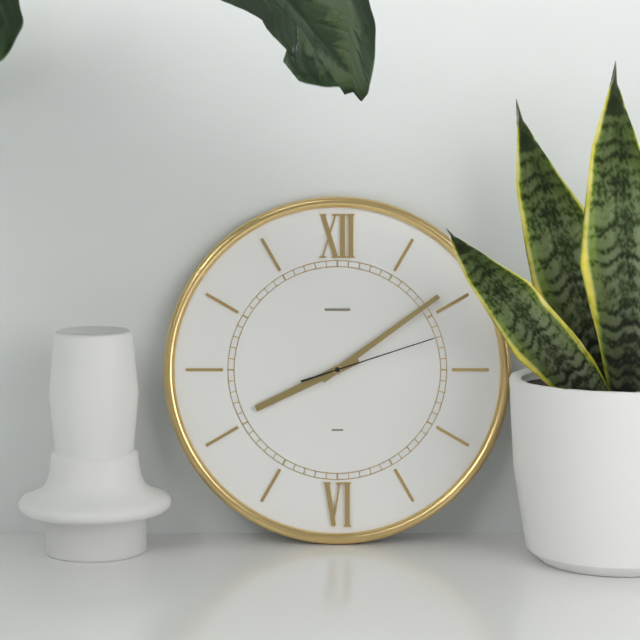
8:09:12
